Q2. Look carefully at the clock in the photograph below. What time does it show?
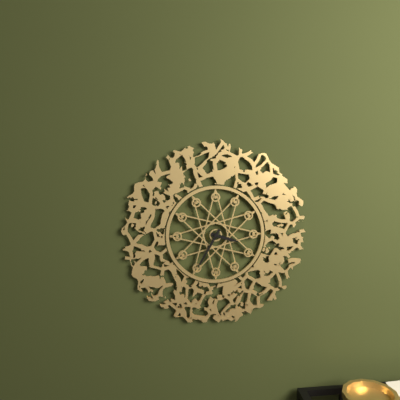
3:35
